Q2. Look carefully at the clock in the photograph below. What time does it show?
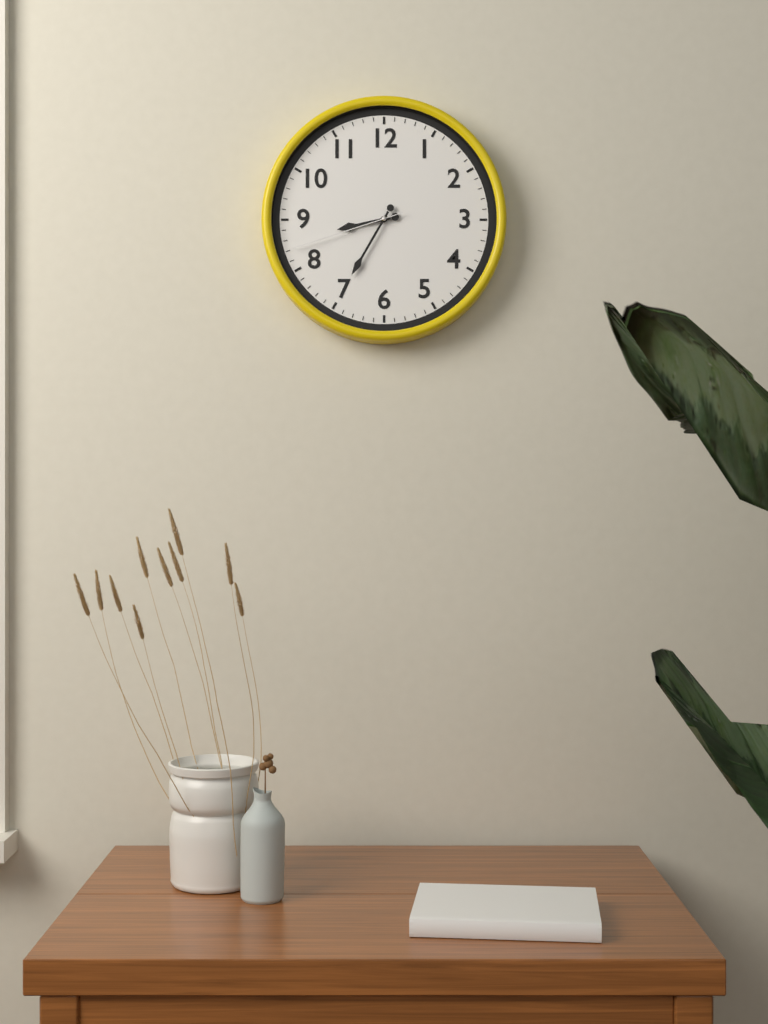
8:35:42
